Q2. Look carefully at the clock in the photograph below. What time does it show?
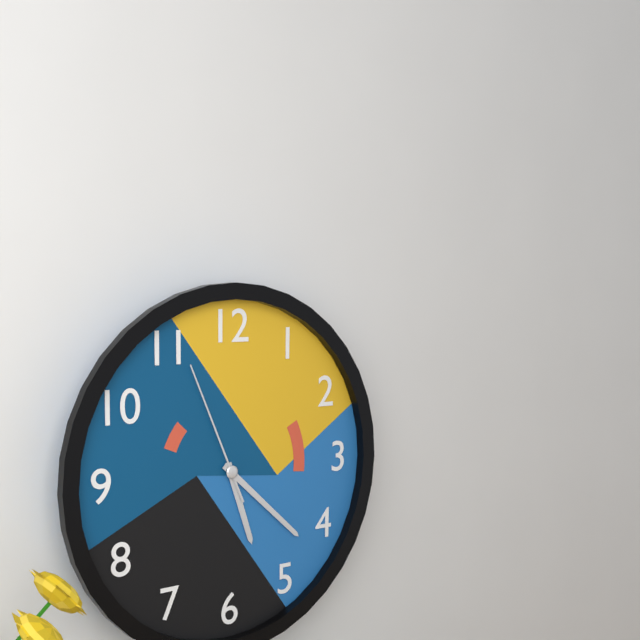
5:22:56
